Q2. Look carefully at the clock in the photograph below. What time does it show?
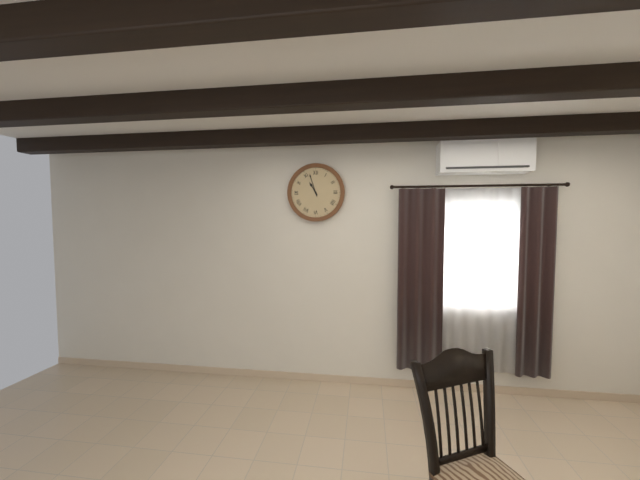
10:57
